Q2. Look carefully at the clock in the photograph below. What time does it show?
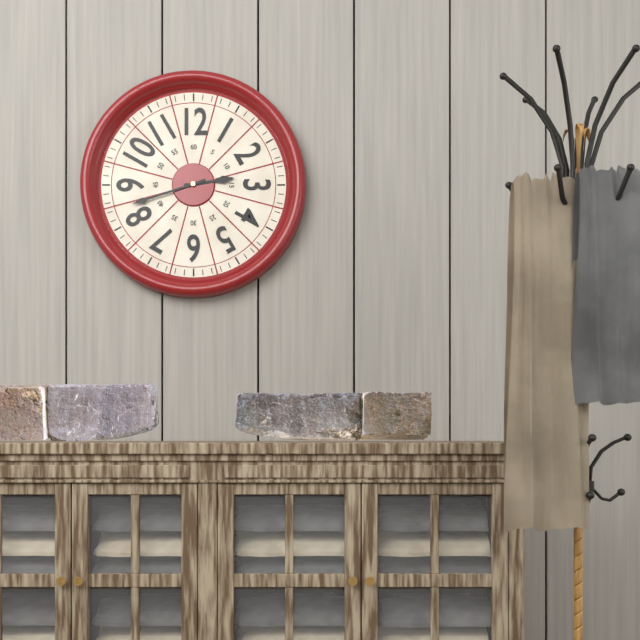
2:42
